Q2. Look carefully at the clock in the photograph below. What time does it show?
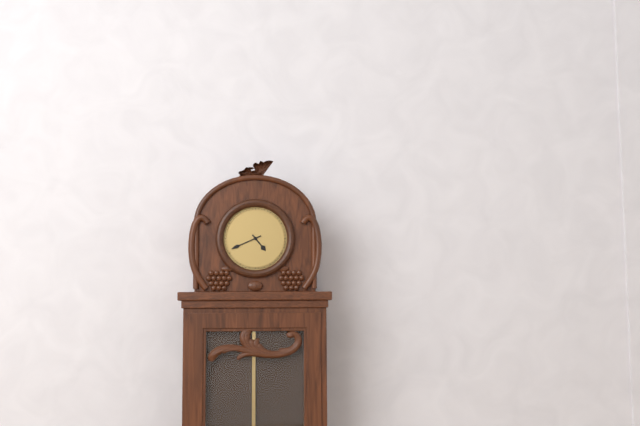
4:41
